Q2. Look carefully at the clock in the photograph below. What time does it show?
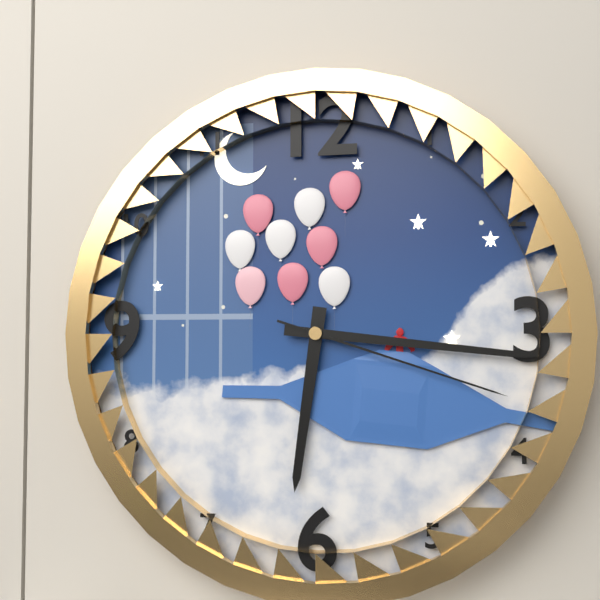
6:16:18
